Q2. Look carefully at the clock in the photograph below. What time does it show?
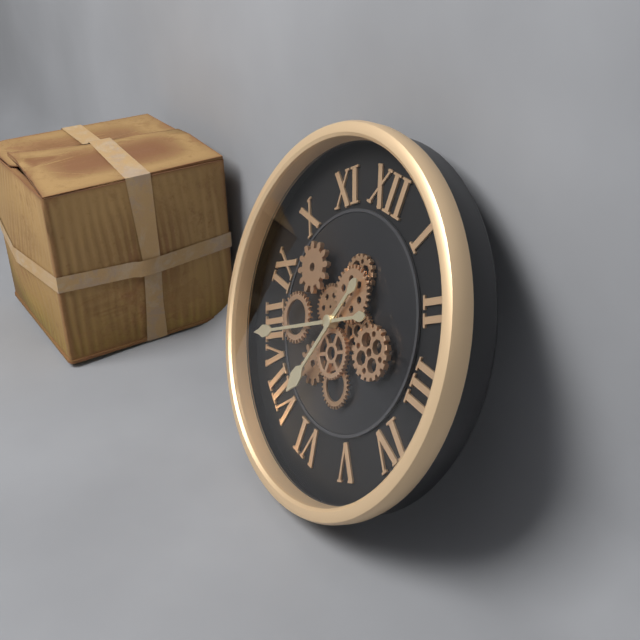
6:40
